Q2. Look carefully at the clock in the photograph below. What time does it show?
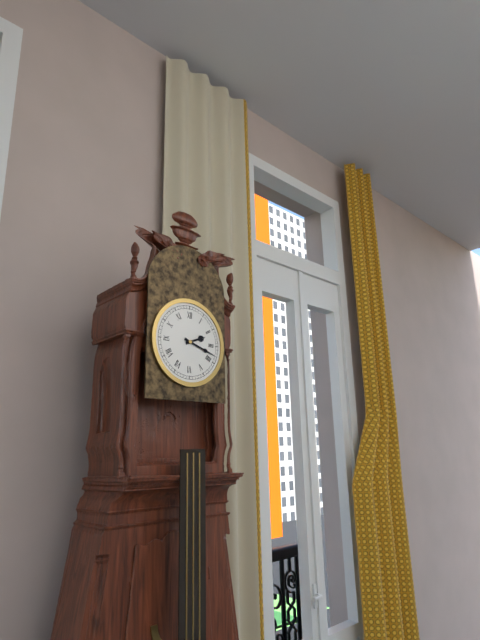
2:18
